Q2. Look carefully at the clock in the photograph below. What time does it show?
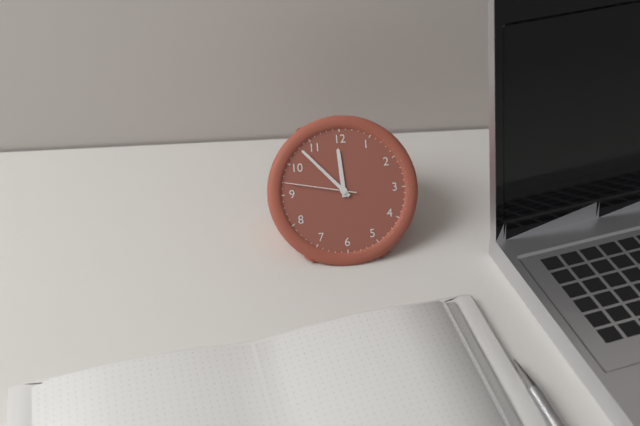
11:53:47
